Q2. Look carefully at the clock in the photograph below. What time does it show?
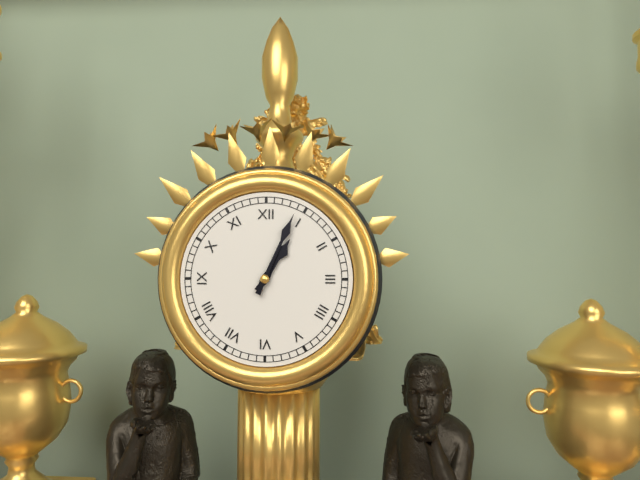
1:04
